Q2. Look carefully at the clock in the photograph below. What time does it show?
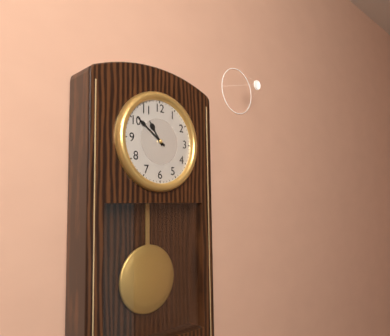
10:51
